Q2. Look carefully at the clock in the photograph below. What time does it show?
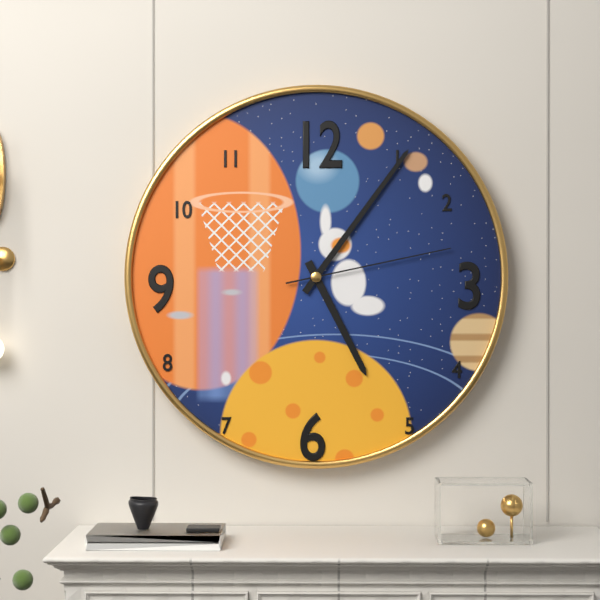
5:06:13
